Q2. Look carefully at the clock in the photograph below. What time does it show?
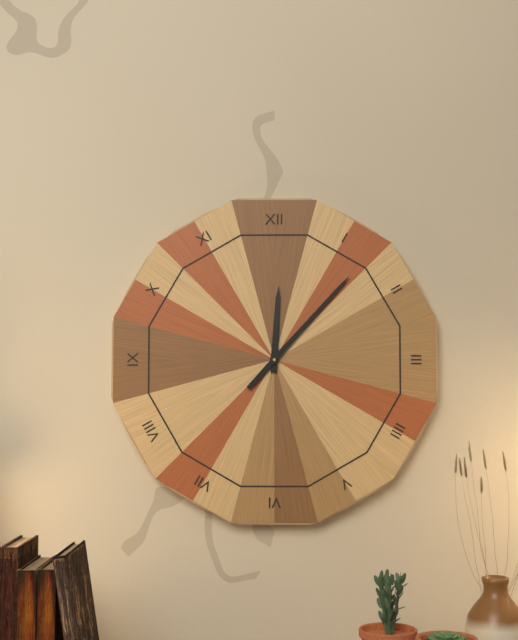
12:07
